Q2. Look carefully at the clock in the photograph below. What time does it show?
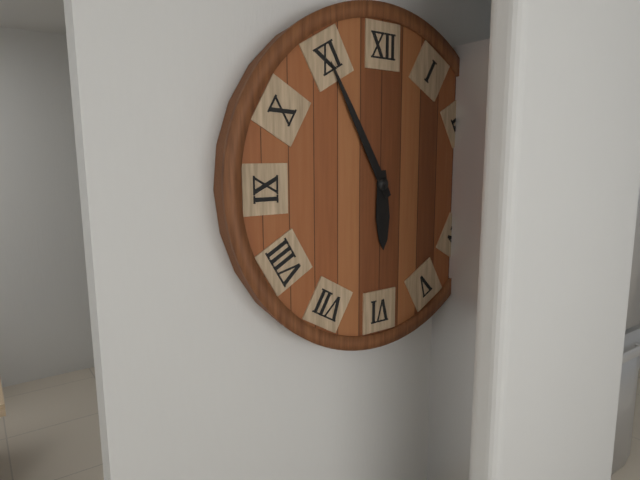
5:55
